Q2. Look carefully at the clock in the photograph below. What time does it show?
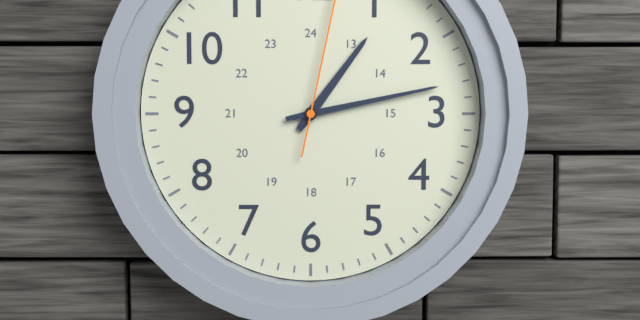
1:13
